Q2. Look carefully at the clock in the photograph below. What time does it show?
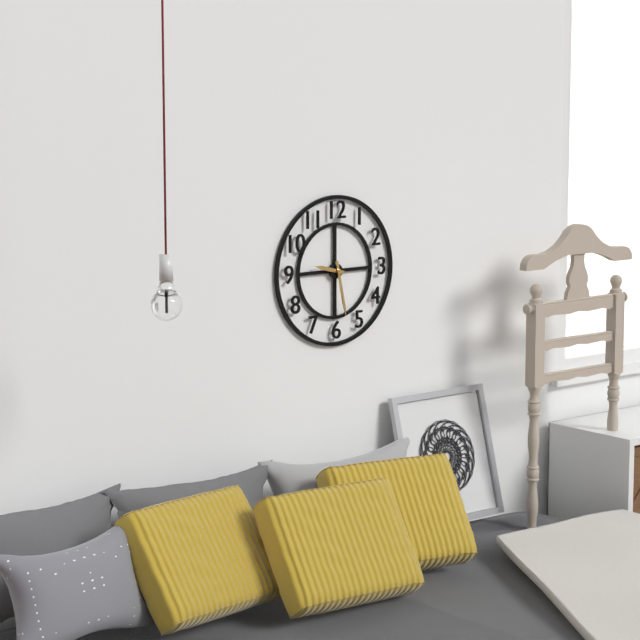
9:28
